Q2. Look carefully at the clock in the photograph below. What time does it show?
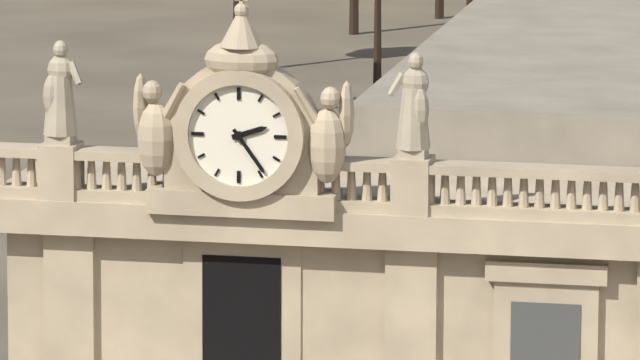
2:24
